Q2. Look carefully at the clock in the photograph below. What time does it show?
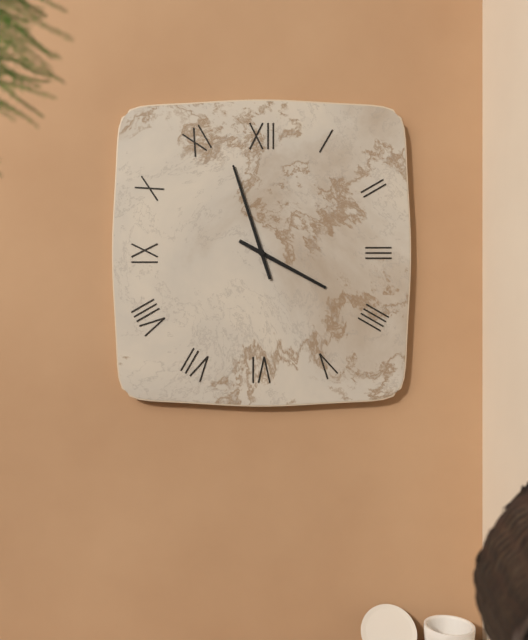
3:57
